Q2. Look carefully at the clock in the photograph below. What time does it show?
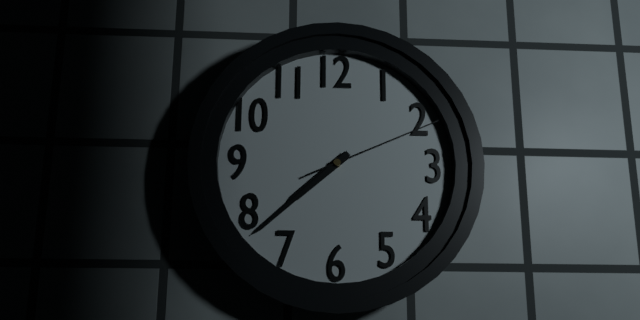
7:38:11
